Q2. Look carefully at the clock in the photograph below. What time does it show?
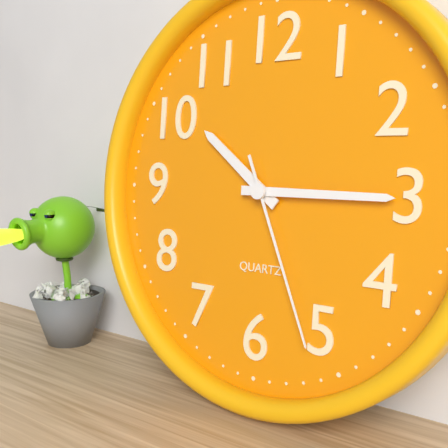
10:15:26
